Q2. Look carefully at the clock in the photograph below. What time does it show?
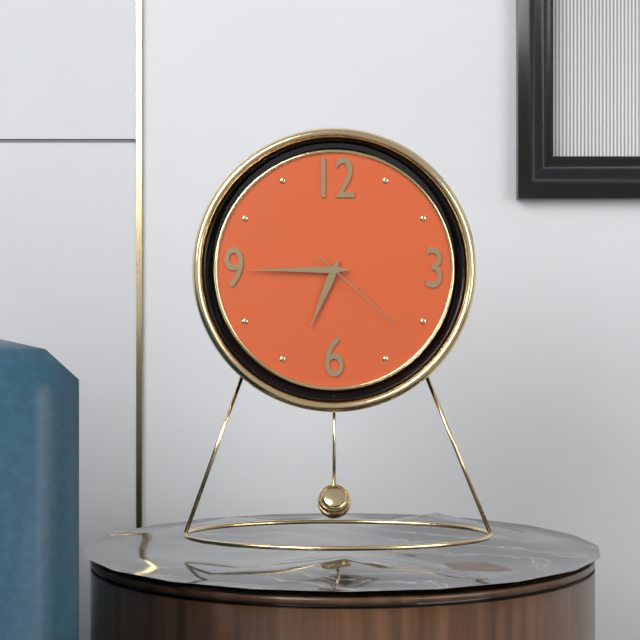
6:45:22
